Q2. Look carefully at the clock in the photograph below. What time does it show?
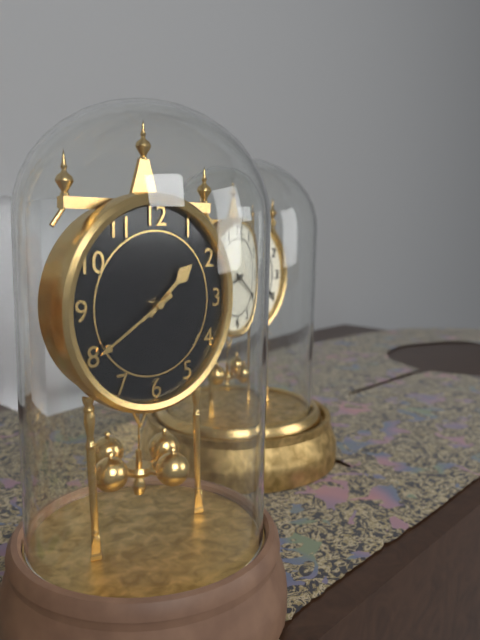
1:40
